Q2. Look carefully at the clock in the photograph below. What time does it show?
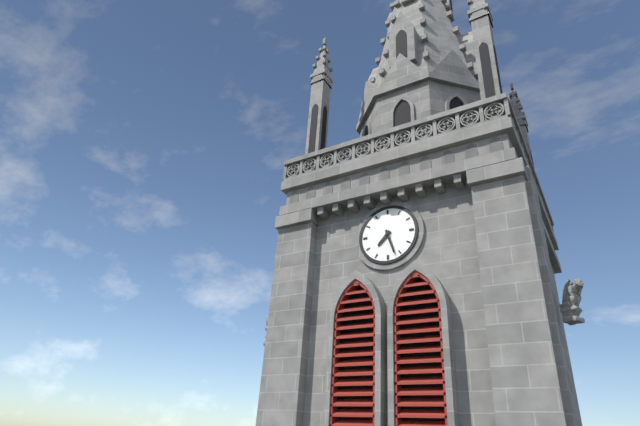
7:27
